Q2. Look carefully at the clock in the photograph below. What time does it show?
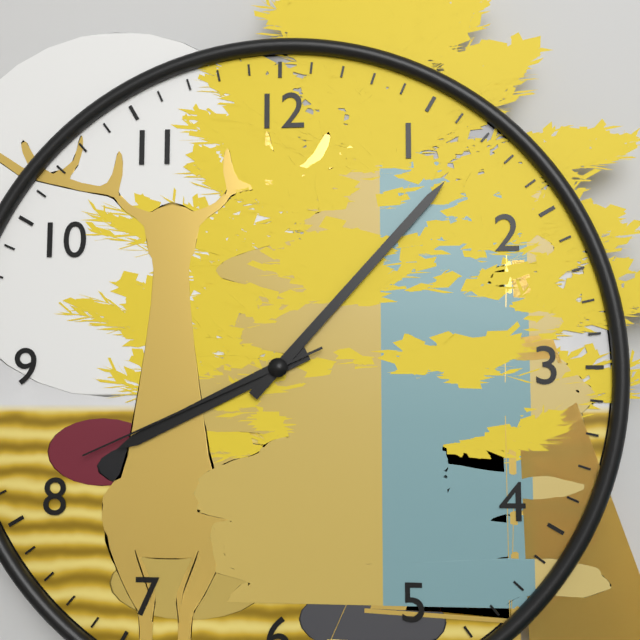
8:07:41
